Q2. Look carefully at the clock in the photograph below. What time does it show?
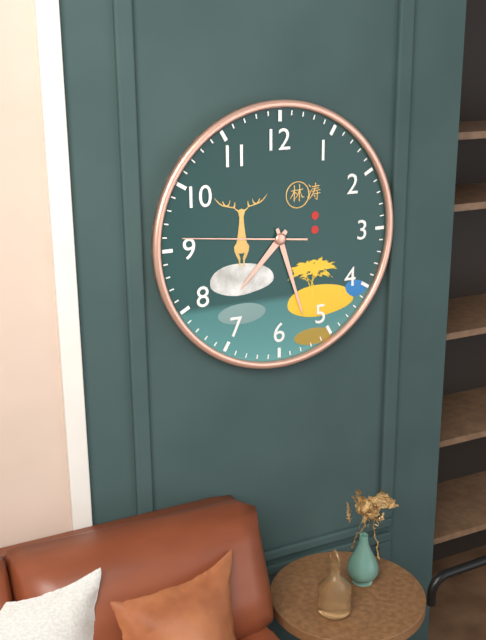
7:27:46
